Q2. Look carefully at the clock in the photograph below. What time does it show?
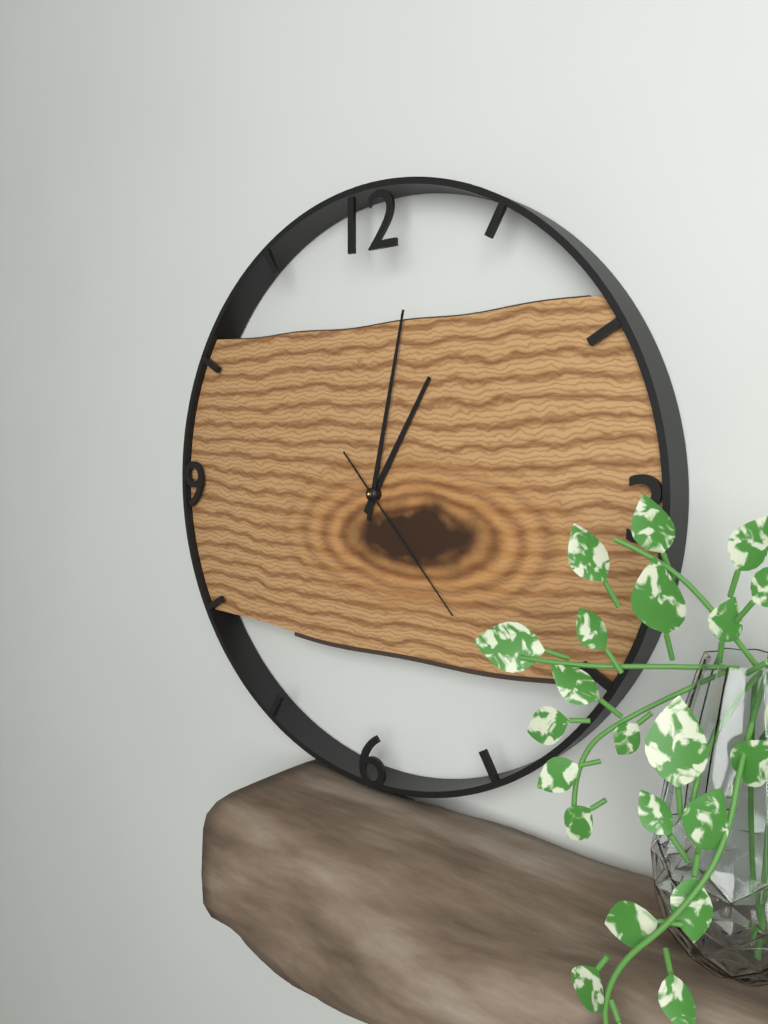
1:02:23
